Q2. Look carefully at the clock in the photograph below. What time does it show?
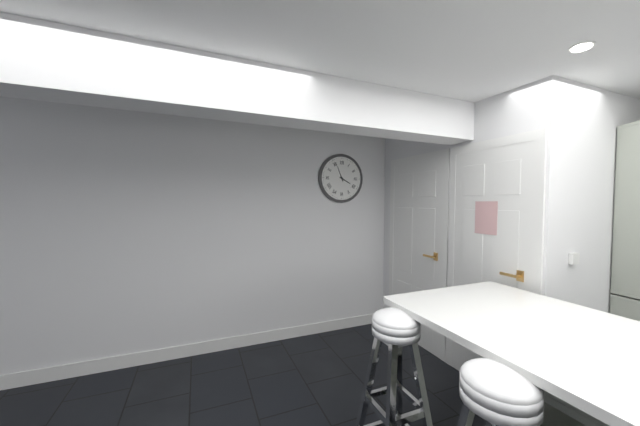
3:56
